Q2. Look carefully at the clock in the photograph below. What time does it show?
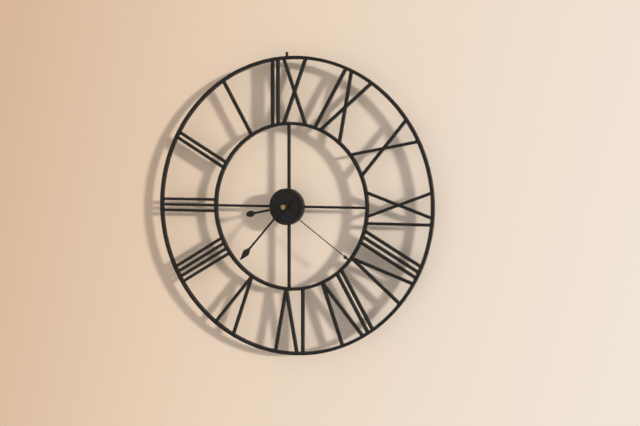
8:37:21
